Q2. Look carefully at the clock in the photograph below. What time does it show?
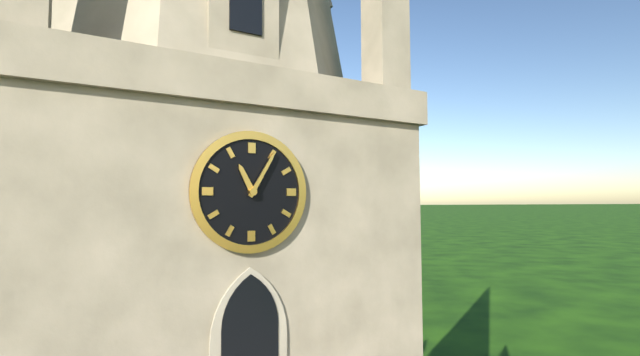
11:05
